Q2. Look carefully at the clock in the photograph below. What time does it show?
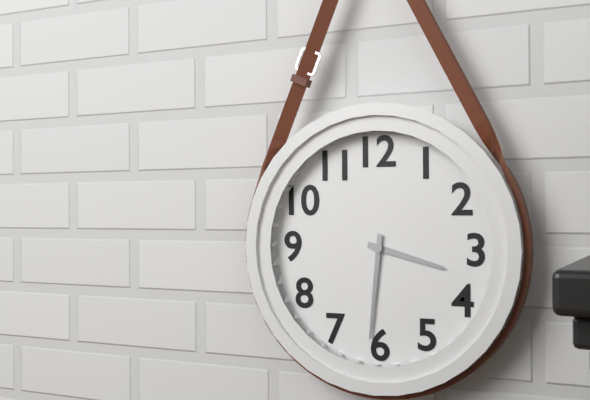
3:31
